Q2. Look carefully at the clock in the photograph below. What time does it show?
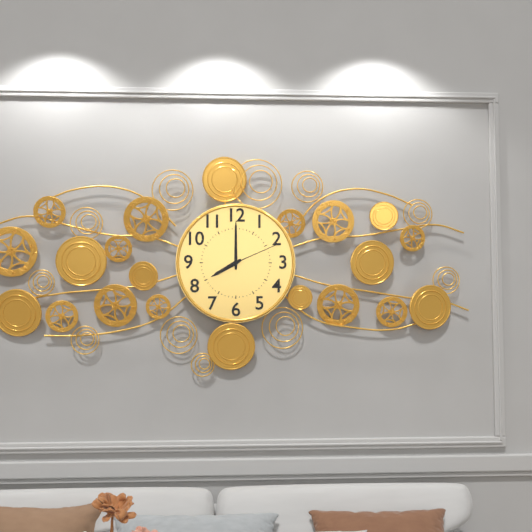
8:00:11
